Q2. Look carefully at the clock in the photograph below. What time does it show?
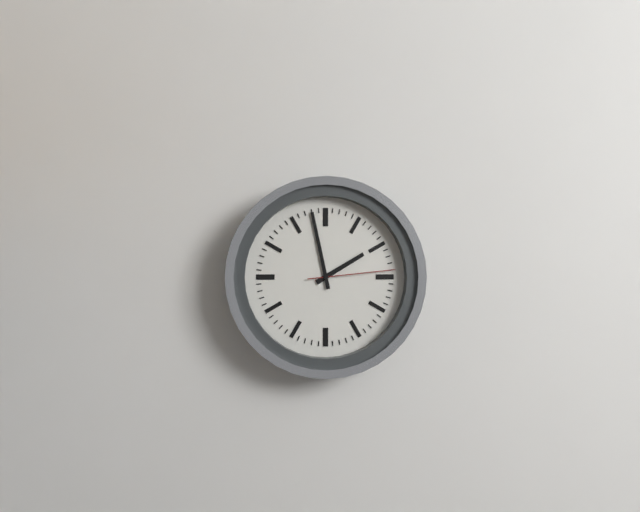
1:58:14
